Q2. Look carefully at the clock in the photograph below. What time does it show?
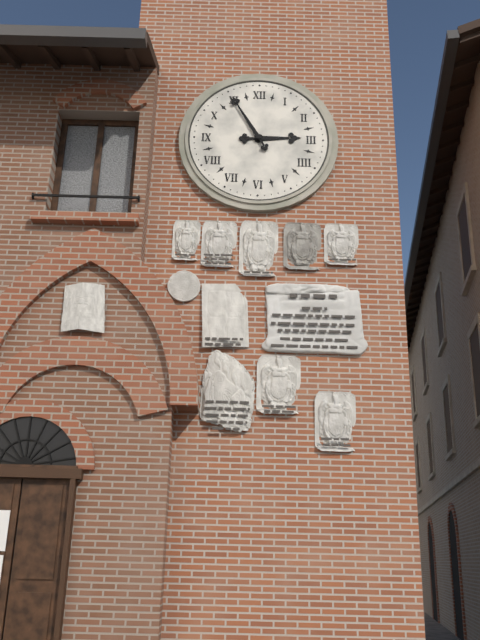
2:55
